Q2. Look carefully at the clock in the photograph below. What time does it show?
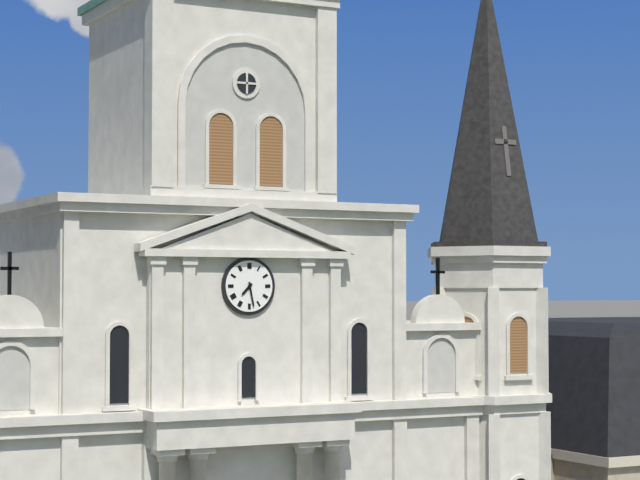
7:28
